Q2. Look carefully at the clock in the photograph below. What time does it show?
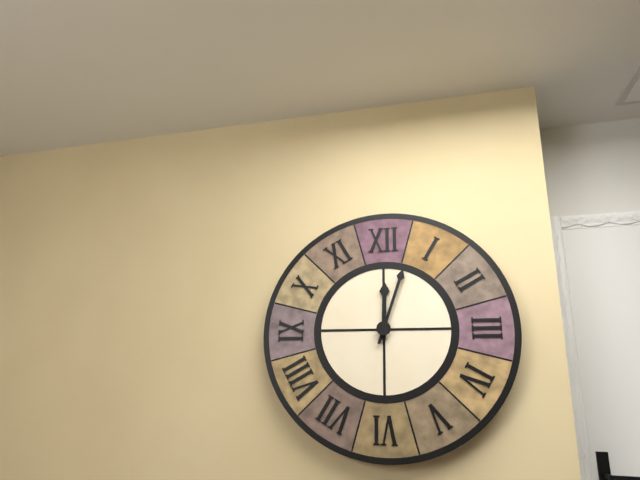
12:03
